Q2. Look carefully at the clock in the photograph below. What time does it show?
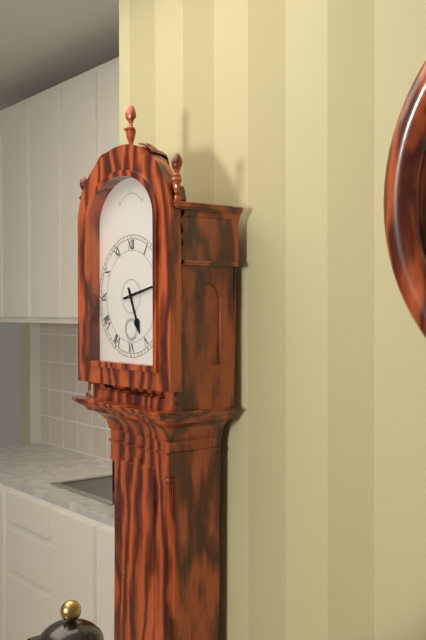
5:13
